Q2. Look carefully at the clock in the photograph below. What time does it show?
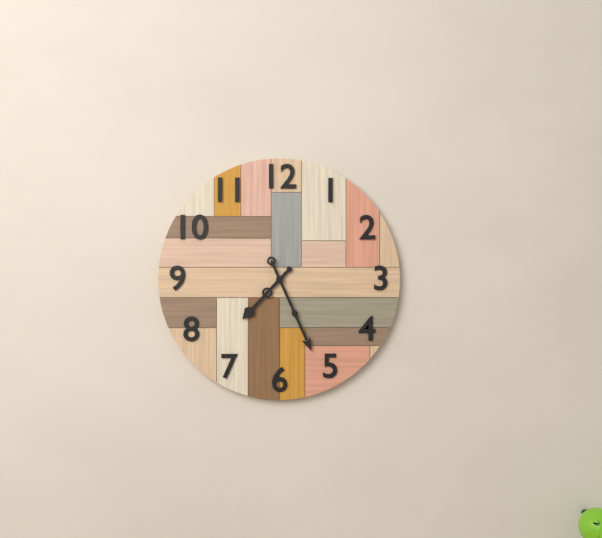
7:26
